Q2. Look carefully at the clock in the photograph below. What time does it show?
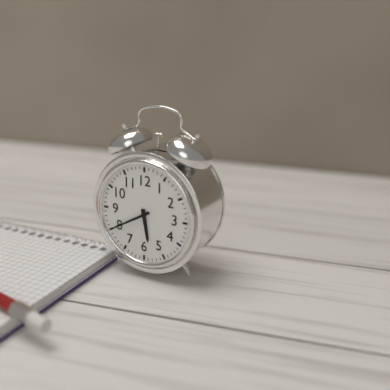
5:40
